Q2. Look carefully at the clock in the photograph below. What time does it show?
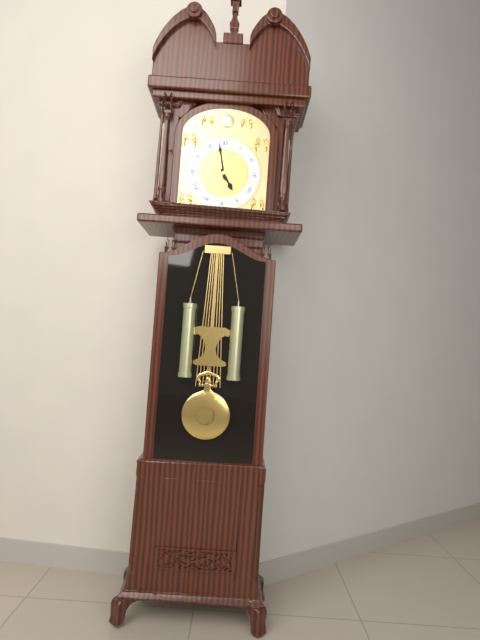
4:58
